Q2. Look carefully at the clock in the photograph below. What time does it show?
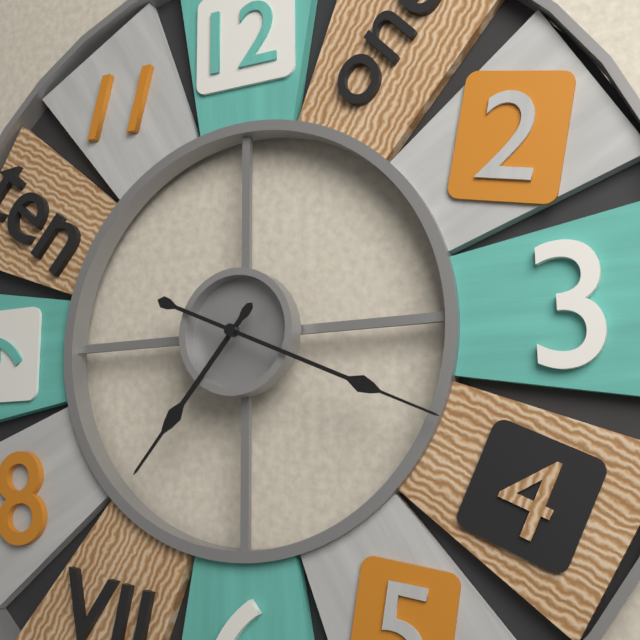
7:19
